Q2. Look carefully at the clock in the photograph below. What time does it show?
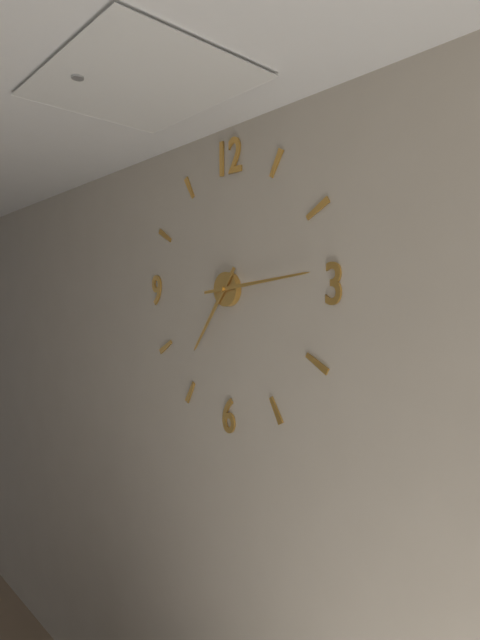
7:14
